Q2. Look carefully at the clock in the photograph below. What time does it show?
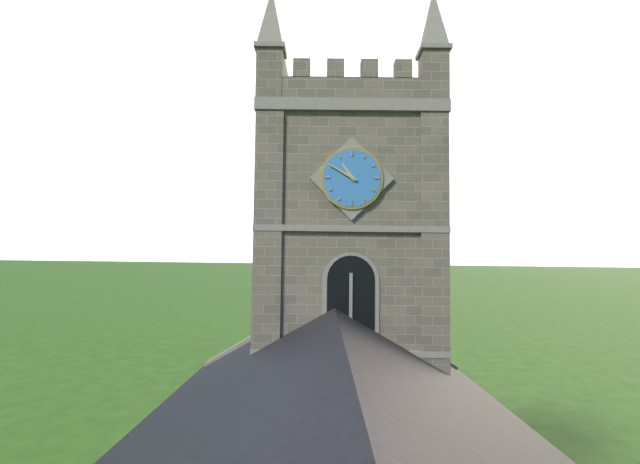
10:50
